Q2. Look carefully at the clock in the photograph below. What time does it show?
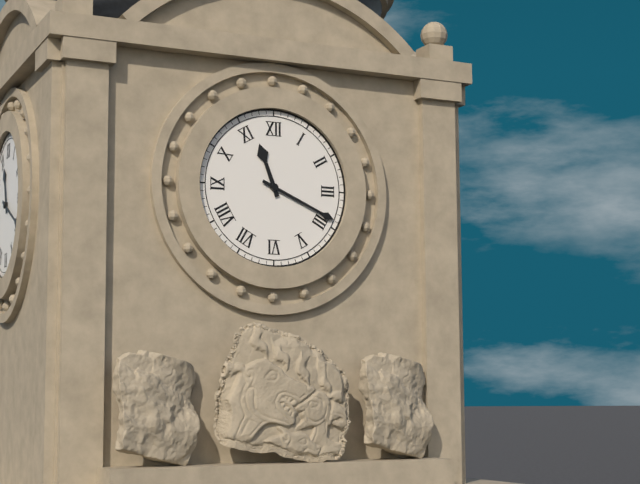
11:19
